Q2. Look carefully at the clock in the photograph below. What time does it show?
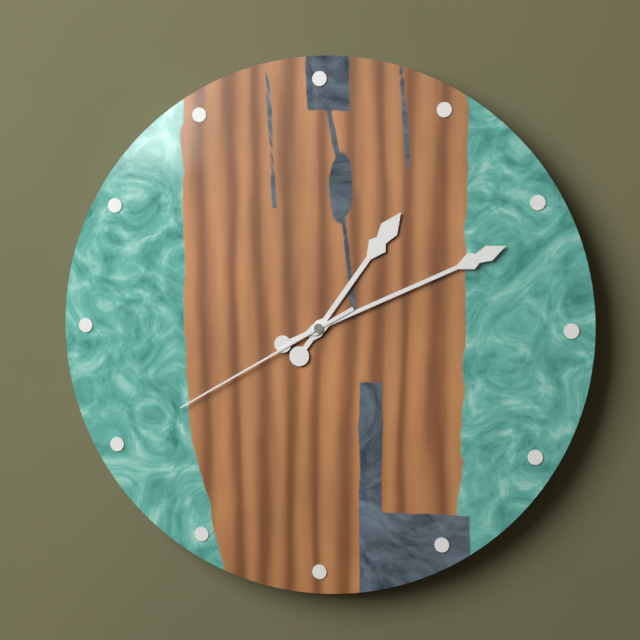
1:11:40
